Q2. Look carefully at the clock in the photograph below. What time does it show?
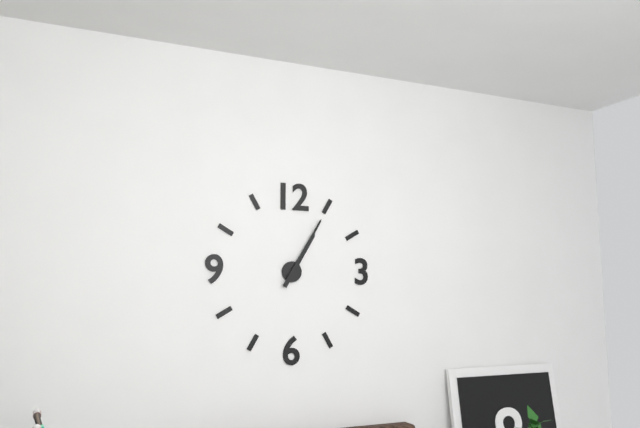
1:05
